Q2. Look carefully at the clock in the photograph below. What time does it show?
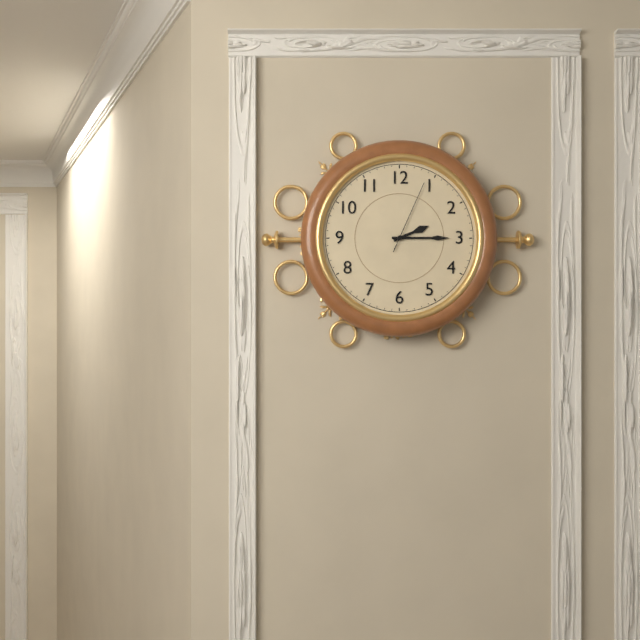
2:15:04
